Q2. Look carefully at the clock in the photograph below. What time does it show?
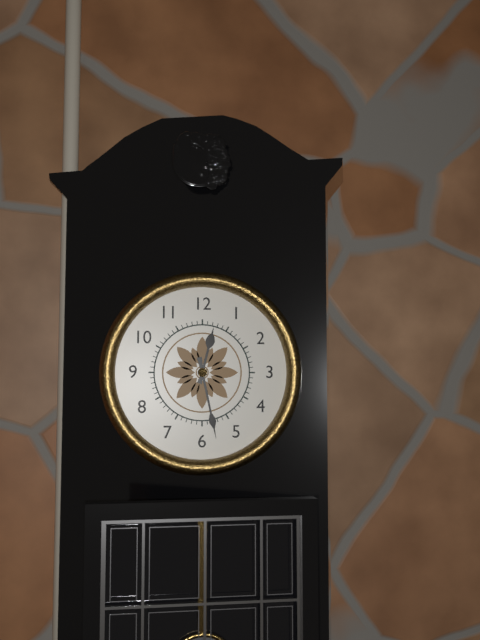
12:28
